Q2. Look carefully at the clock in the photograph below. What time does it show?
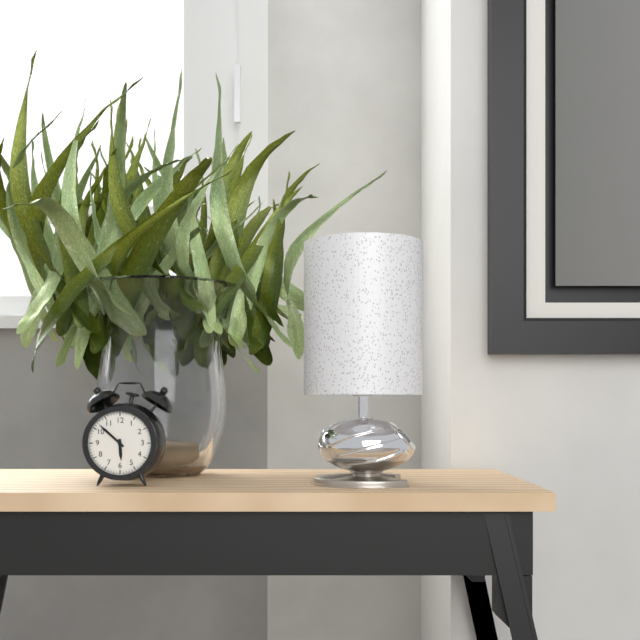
5:52
